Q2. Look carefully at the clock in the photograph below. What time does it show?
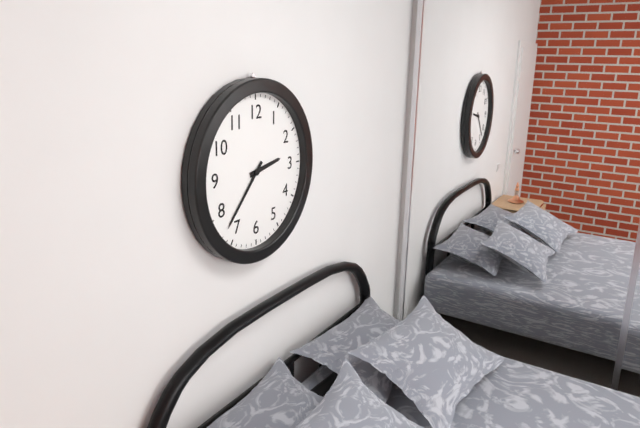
2:37
